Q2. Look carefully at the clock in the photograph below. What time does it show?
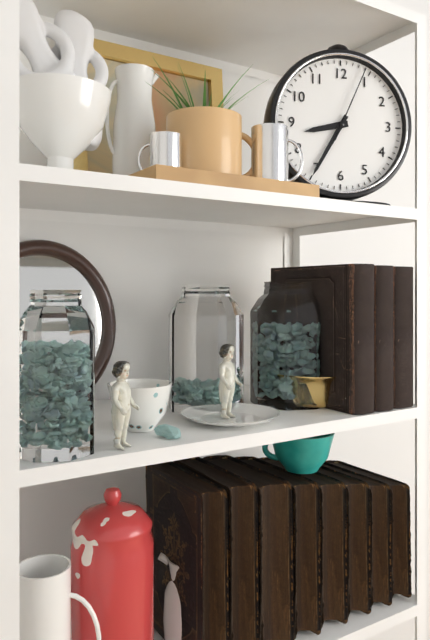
8:35:04
